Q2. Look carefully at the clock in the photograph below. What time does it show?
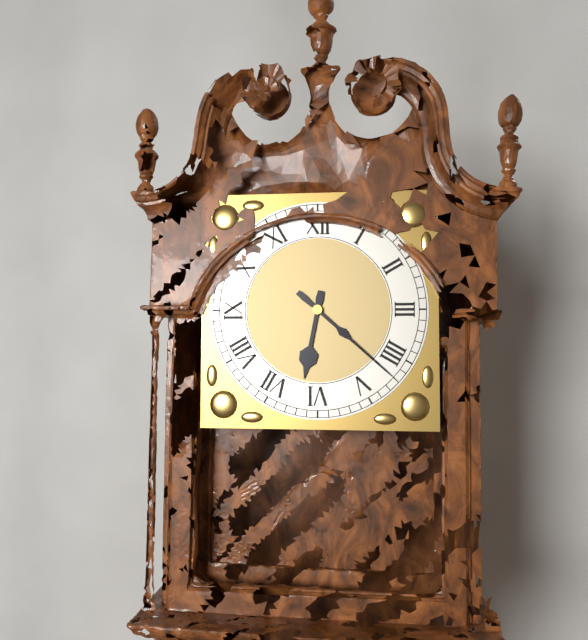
6:22
